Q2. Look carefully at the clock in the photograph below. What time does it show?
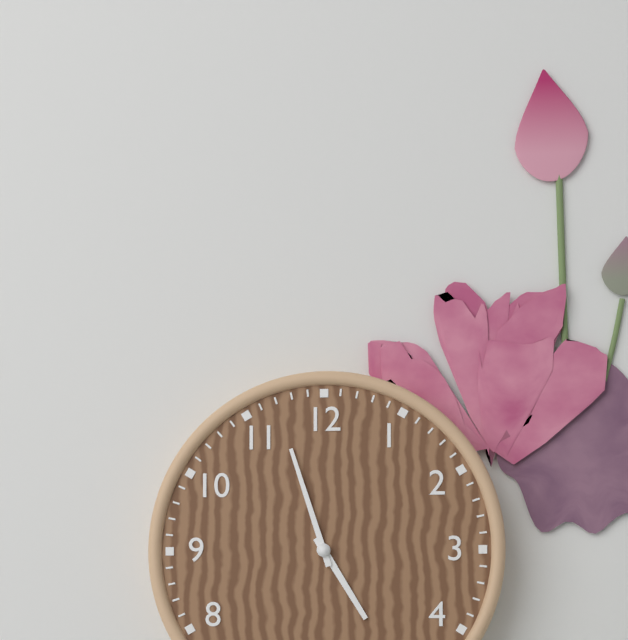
4:57
